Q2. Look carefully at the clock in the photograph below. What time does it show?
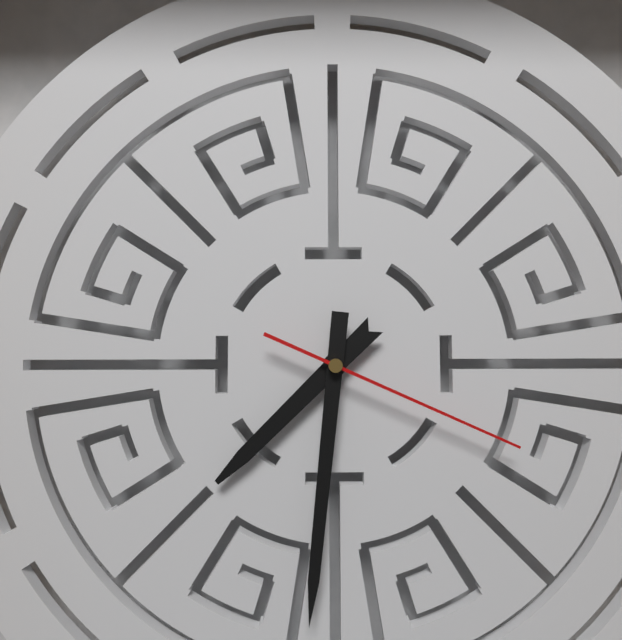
7:31:19
